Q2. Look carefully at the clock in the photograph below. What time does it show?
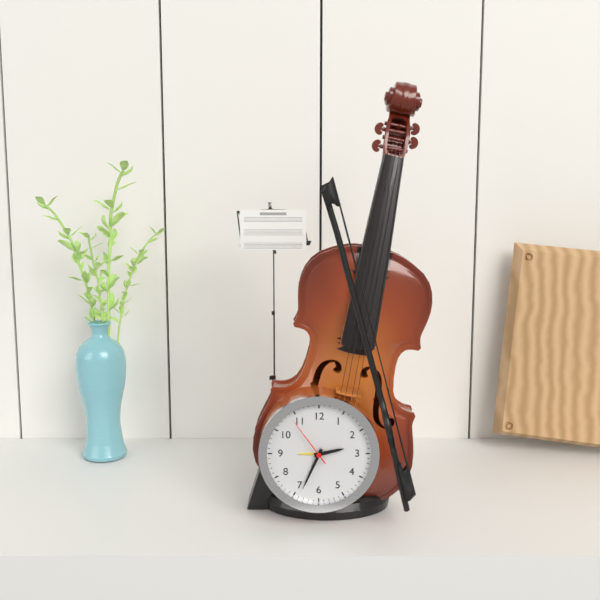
2:34:54
